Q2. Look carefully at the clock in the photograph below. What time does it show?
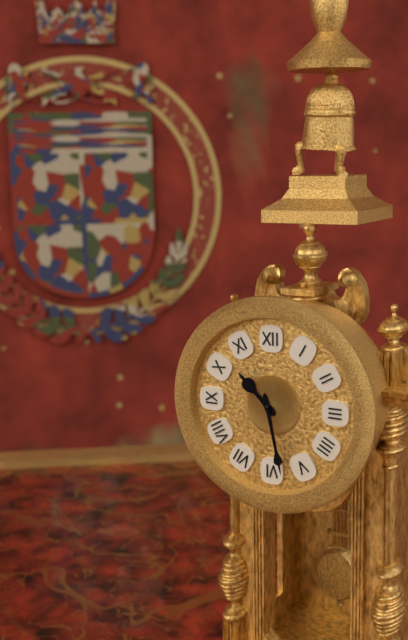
10:28
